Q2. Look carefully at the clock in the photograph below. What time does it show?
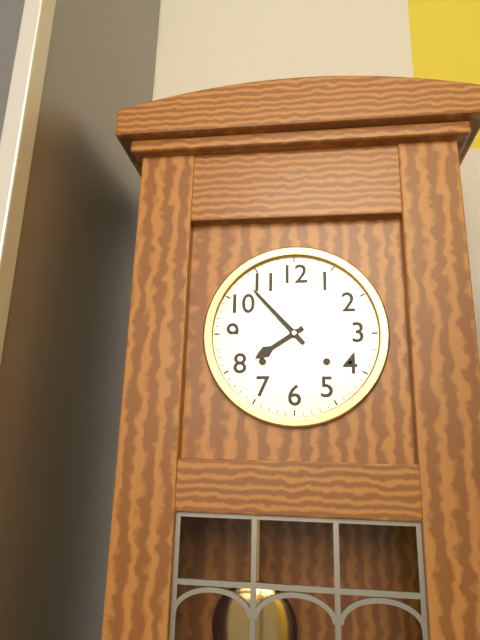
7:53
